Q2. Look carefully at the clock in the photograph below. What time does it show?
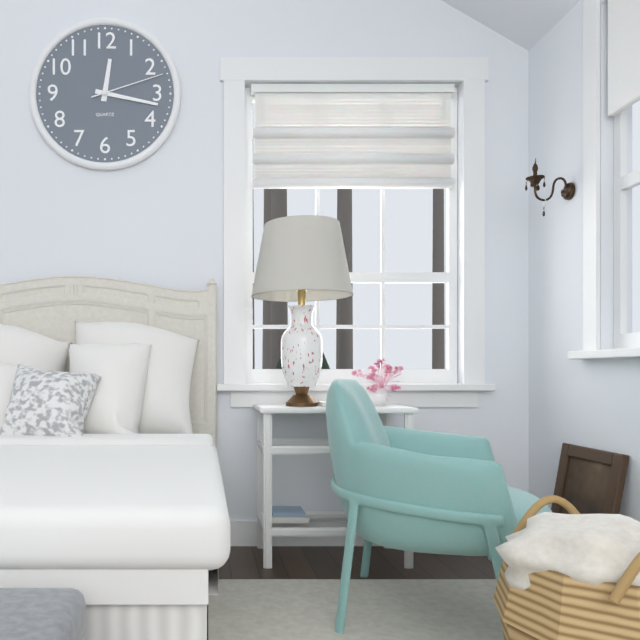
12:17:12
